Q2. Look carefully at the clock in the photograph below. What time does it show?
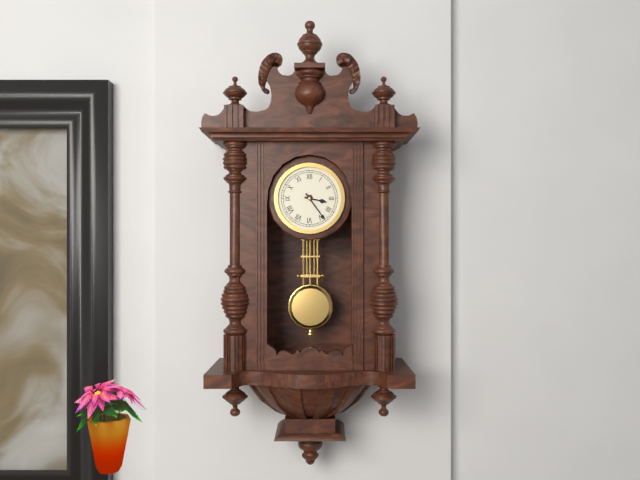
3:24
